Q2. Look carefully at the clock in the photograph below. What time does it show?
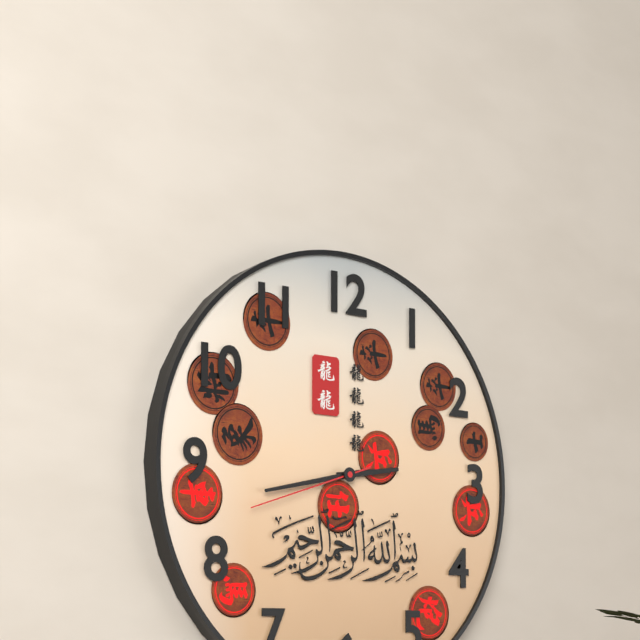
2:43:42
